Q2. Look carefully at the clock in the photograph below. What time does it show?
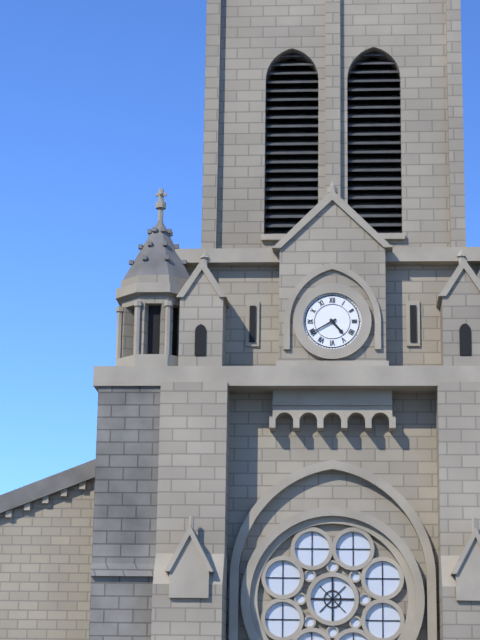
4:40
